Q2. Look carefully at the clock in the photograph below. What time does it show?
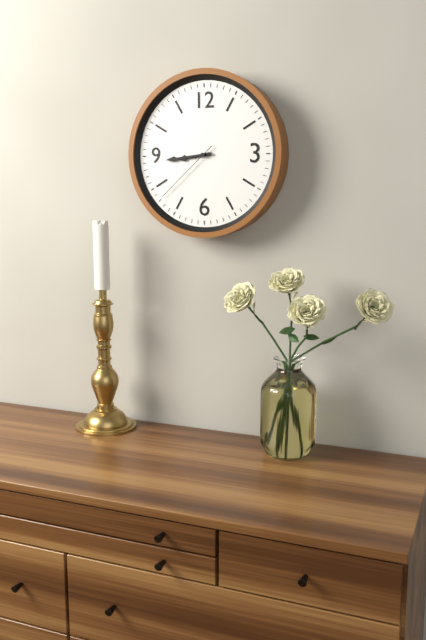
8:44:38
